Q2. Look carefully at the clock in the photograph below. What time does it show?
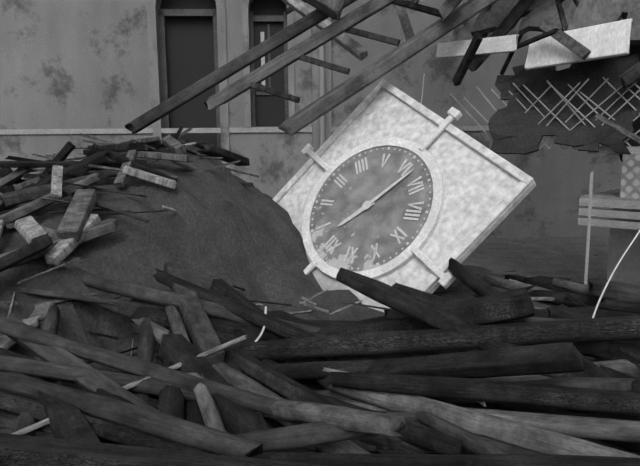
12:32
